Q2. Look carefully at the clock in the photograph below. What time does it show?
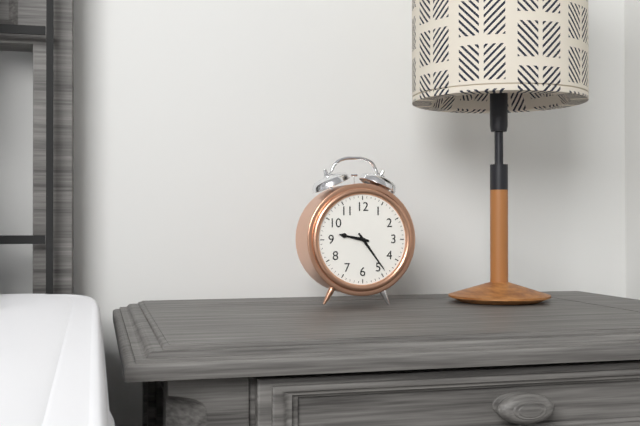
9:24
